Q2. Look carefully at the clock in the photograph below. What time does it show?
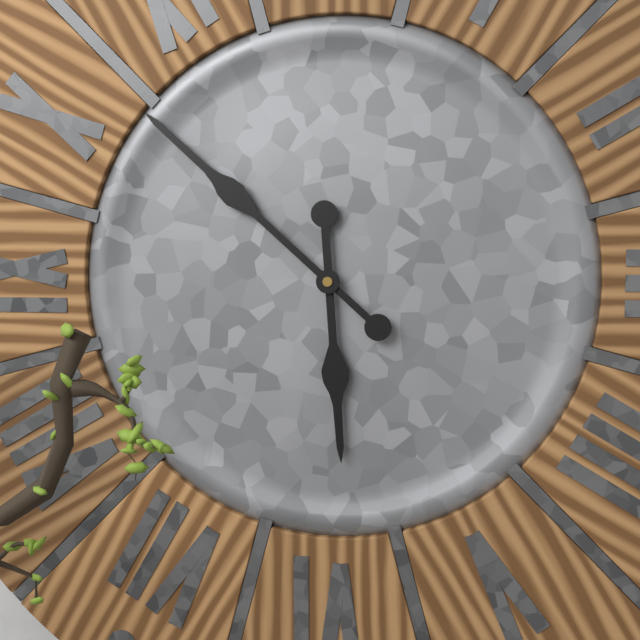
5:52
